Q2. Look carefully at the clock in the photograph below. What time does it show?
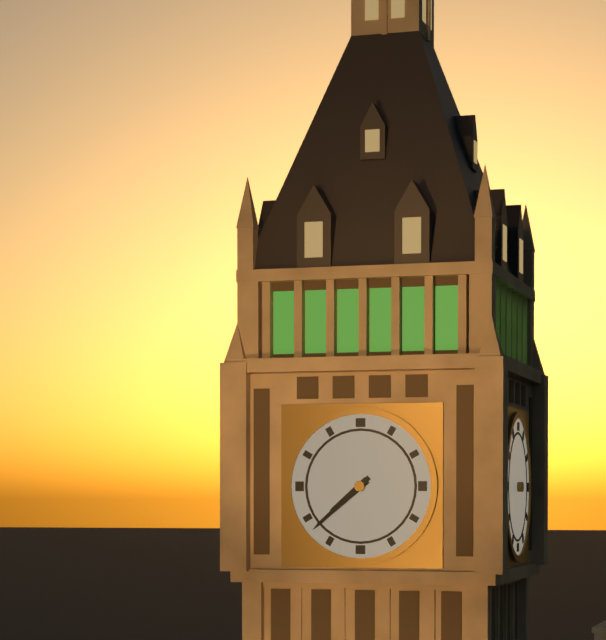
7:38
